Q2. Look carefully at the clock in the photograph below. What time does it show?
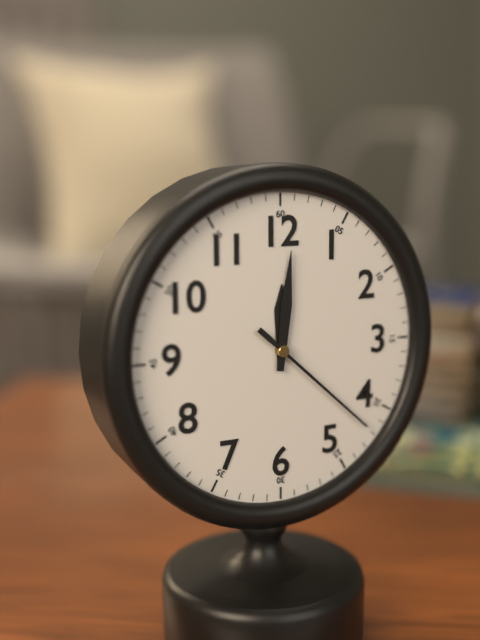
12:01:22
